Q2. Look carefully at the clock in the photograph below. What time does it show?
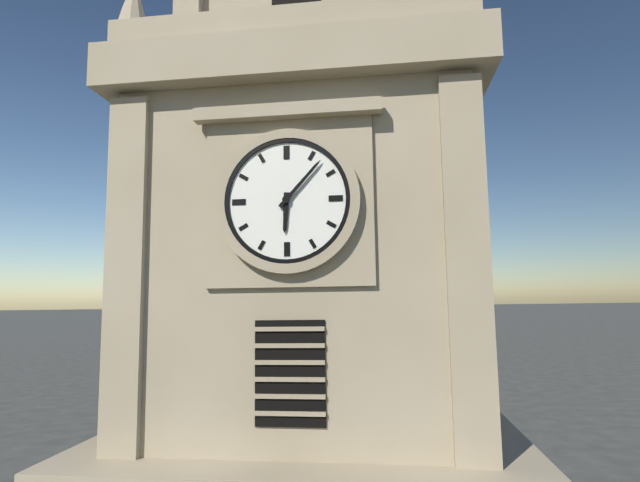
6:07
